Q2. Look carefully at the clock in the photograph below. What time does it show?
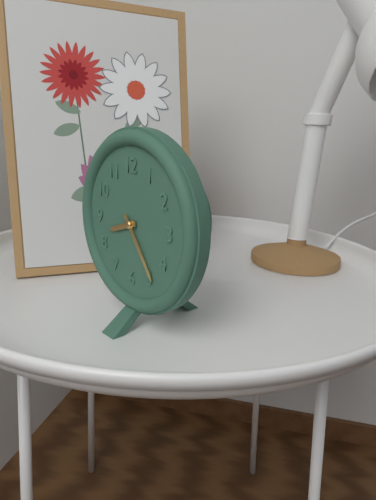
8:24
